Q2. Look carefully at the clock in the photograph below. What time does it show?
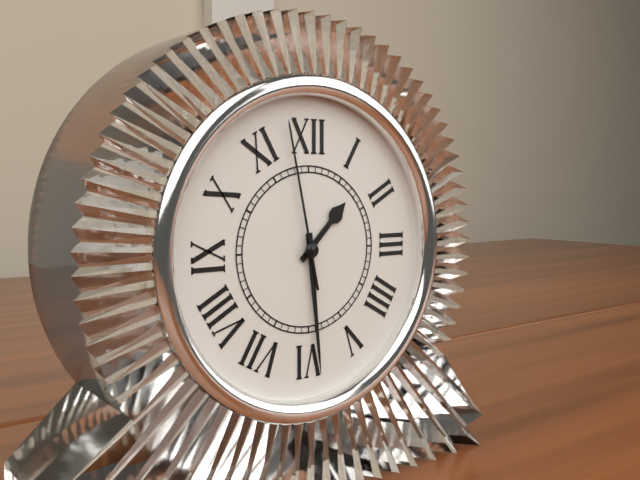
1:29:58
